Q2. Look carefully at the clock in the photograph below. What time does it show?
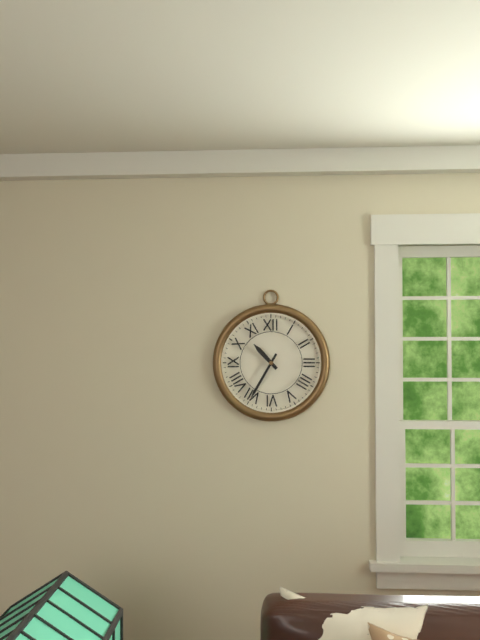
10:35
